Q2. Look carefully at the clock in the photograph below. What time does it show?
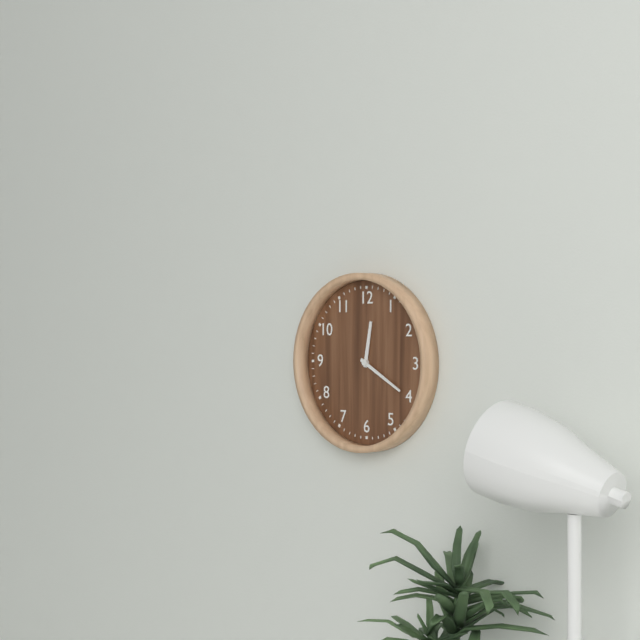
12:20
